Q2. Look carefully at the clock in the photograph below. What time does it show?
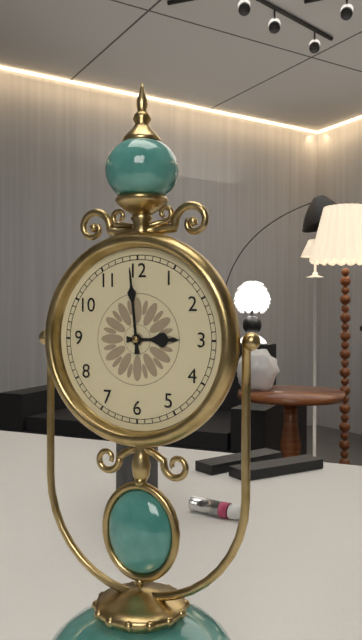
2:59
